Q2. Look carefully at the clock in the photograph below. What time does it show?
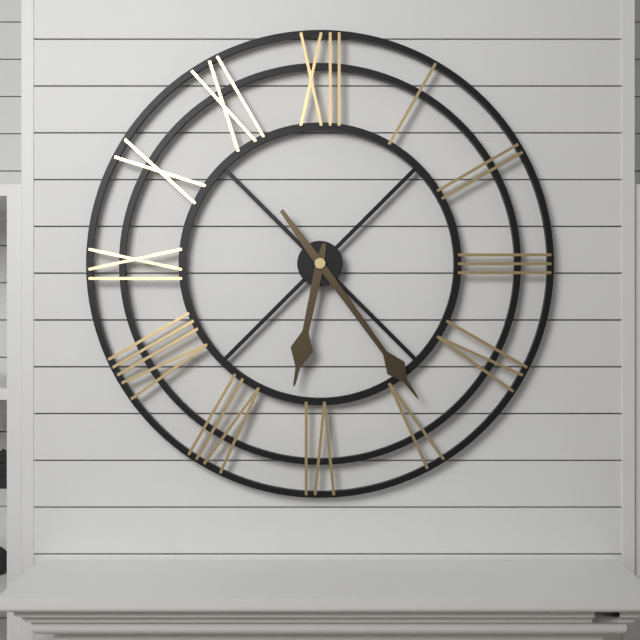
6:24
